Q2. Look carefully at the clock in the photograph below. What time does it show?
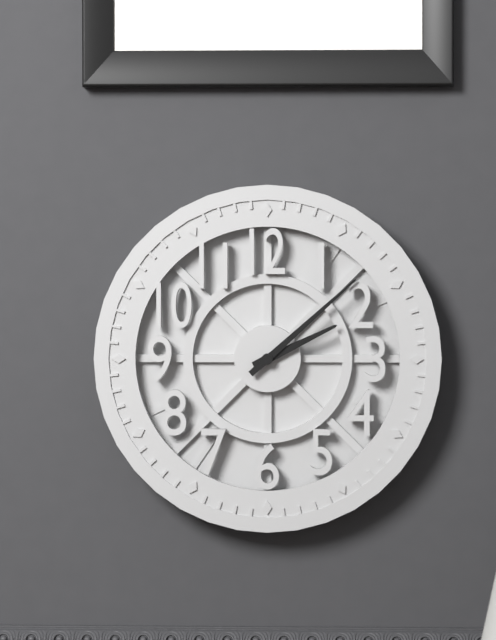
2:08
